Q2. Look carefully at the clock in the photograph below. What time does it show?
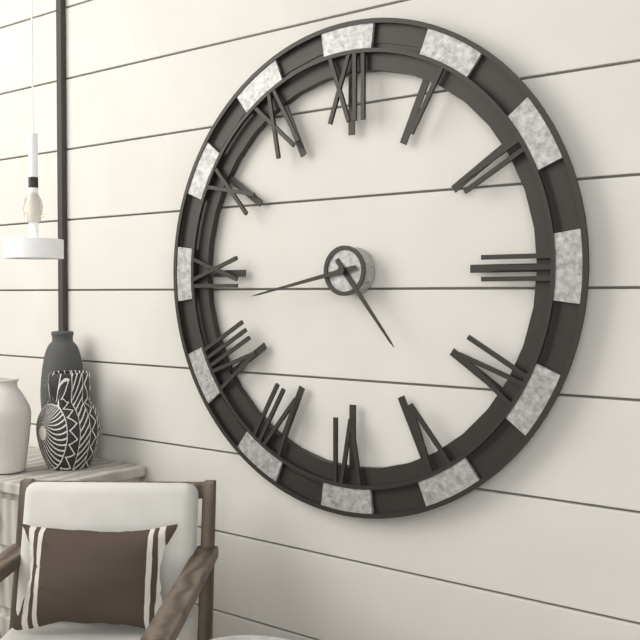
4:43
